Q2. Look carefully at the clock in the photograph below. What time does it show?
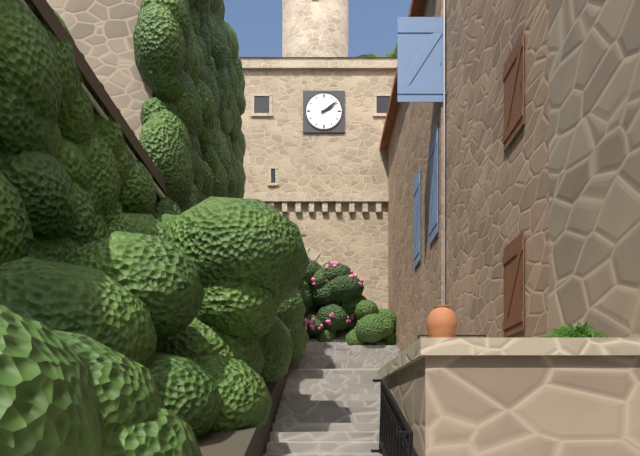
2:09
